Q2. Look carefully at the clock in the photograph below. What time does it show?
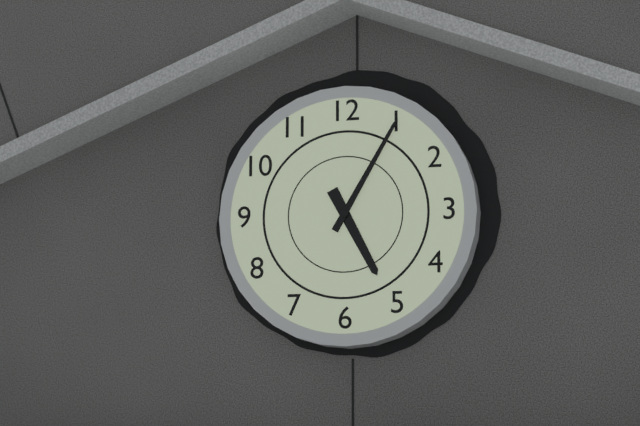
5:05
